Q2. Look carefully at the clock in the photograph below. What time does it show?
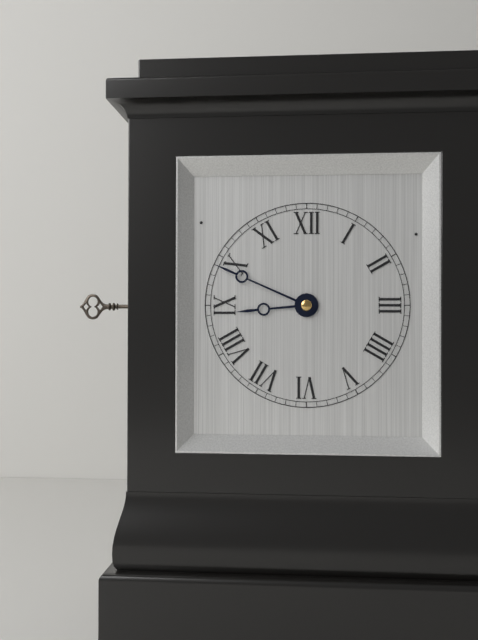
8:49
